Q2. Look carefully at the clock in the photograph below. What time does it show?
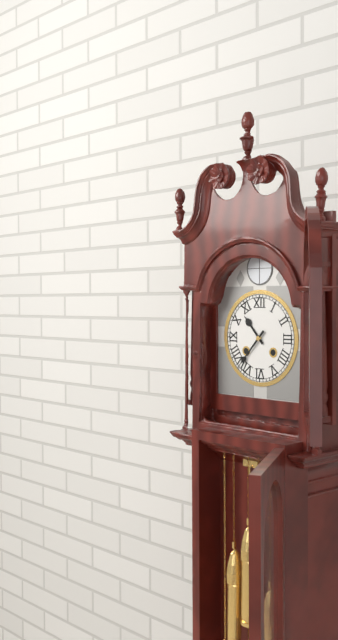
10:37
